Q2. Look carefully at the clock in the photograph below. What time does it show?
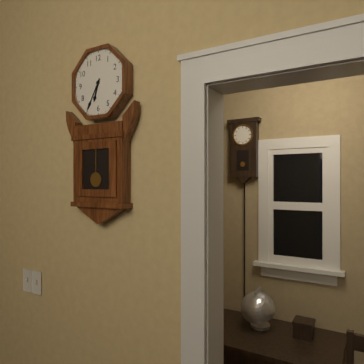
6:35
